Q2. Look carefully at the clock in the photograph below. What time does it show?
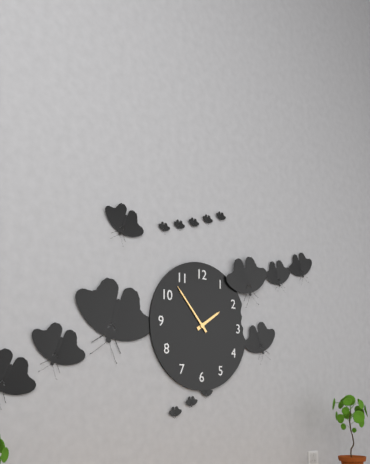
1:53
